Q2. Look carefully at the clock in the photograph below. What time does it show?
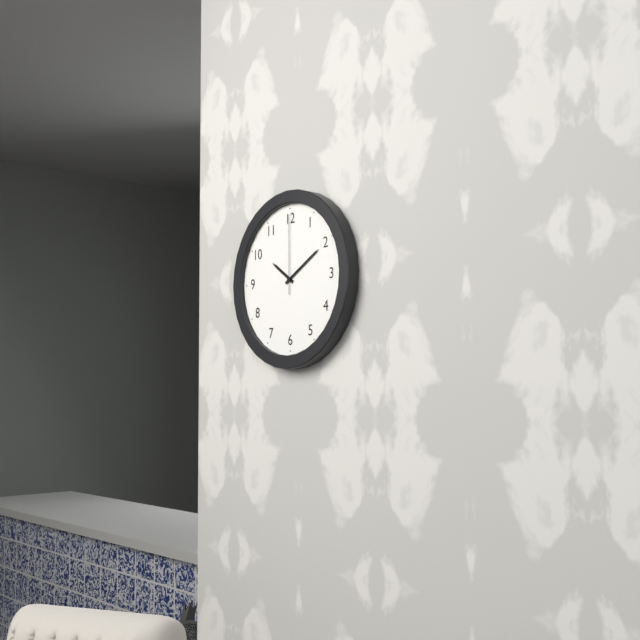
10:10:00
